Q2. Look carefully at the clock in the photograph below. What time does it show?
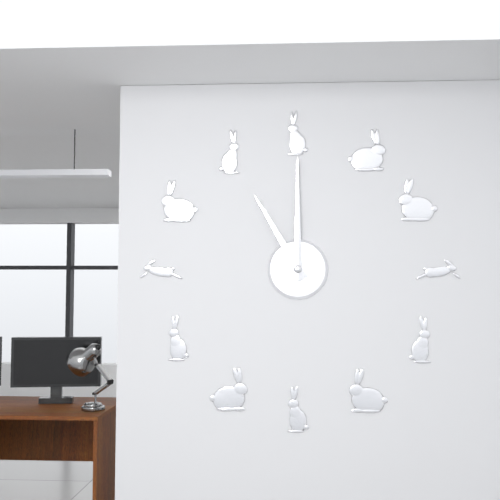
11:00
